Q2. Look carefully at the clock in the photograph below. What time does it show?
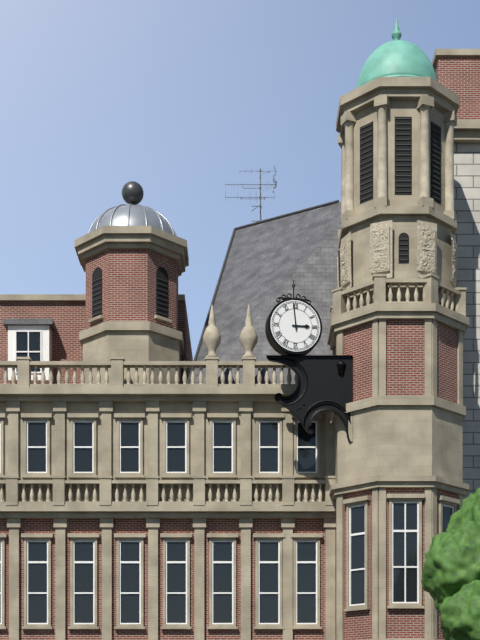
2:59
